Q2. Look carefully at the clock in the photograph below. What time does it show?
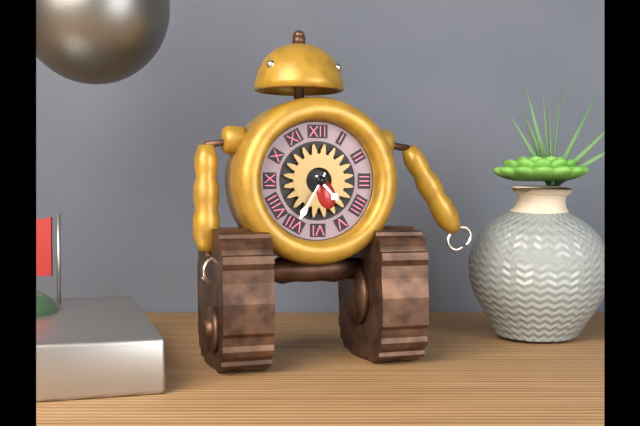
4:35
